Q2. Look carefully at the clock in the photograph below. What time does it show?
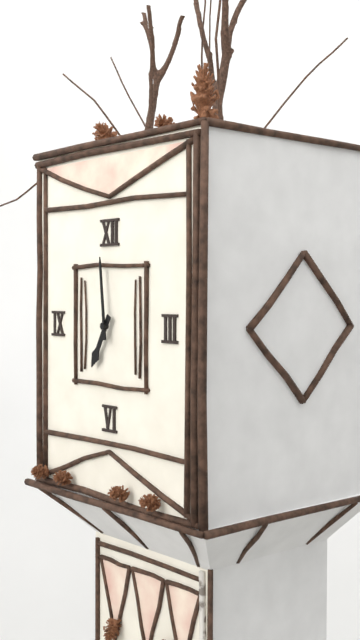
6:59
